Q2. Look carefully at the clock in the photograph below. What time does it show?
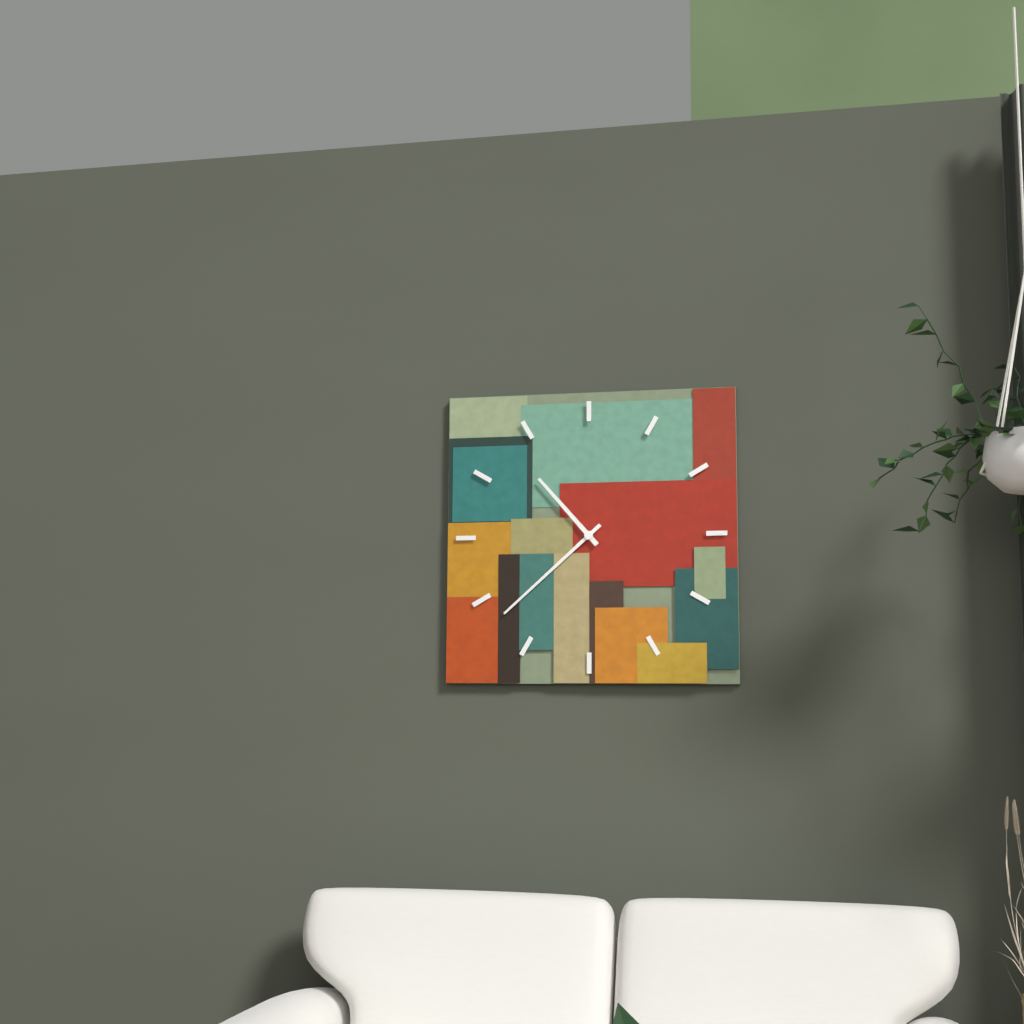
10:38
